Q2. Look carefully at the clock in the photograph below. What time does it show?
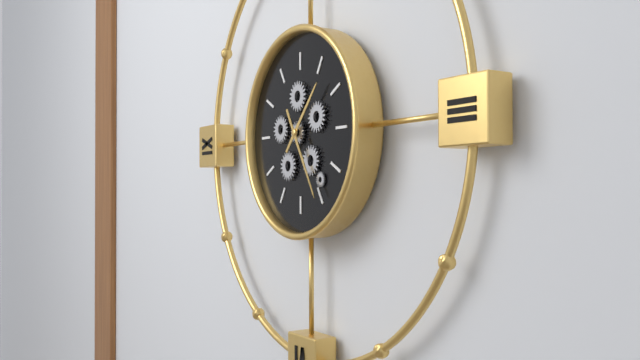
1:25
